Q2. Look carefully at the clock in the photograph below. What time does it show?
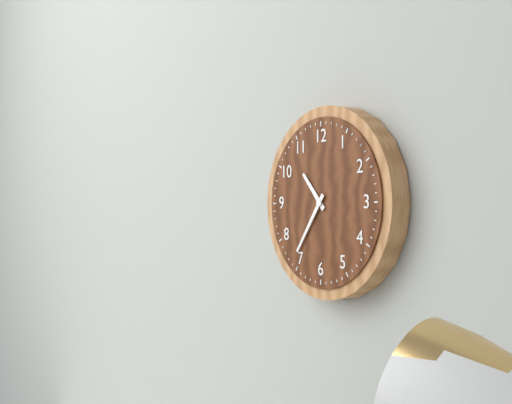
10:36
